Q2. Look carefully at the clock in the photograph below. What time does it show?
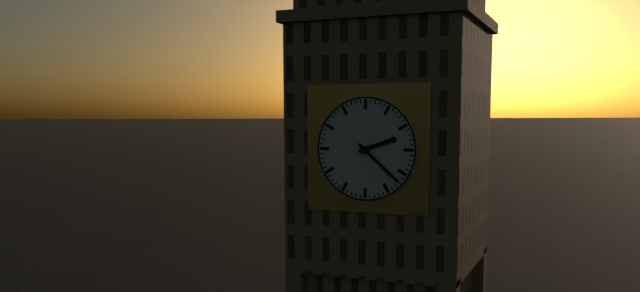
2:22
